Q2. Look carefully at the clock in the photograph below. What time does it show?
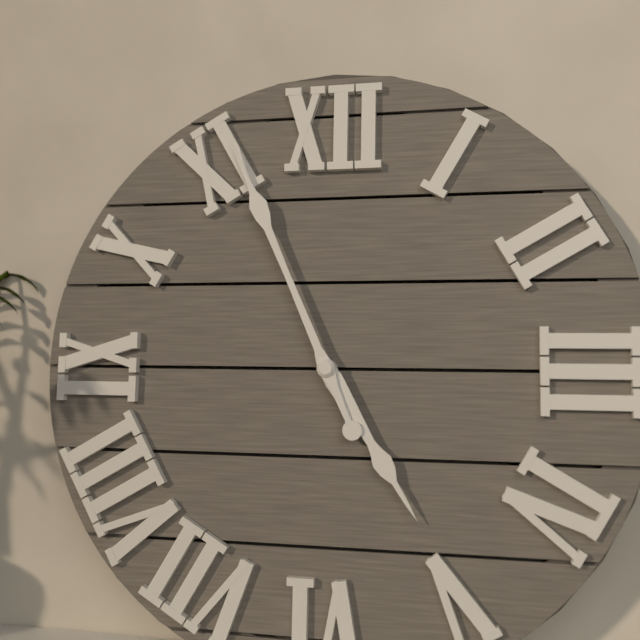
4:56
